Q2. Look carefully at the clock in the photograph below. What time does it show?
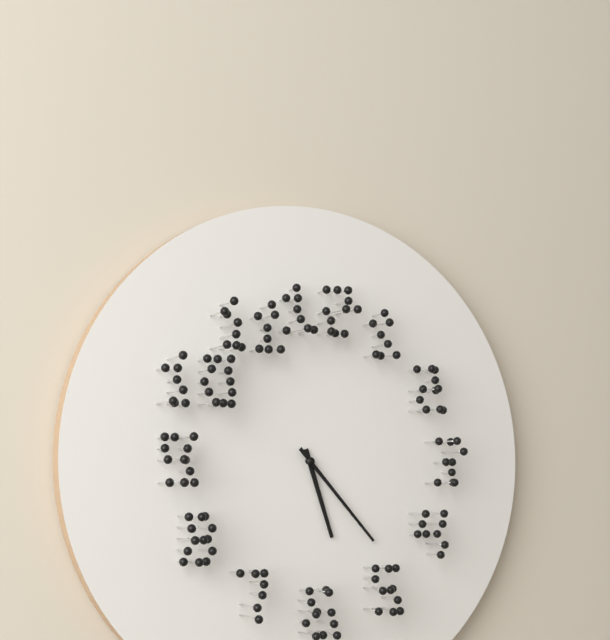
5:23
